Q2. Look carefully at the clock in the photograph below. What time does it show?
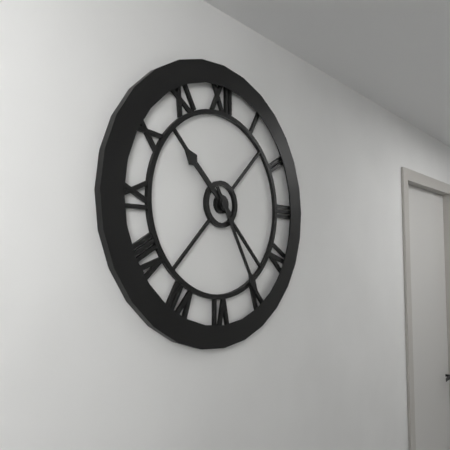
10:25
